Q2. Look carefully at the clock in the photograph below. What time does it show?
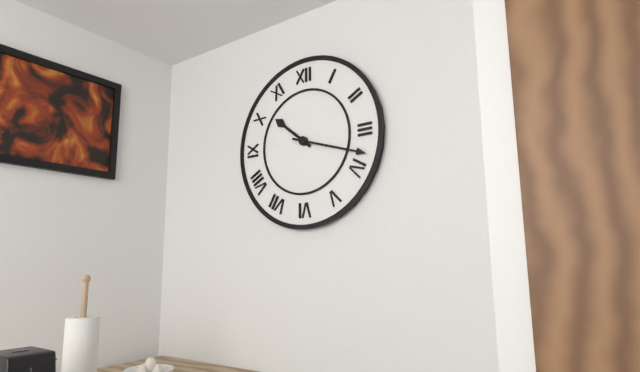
10:18
